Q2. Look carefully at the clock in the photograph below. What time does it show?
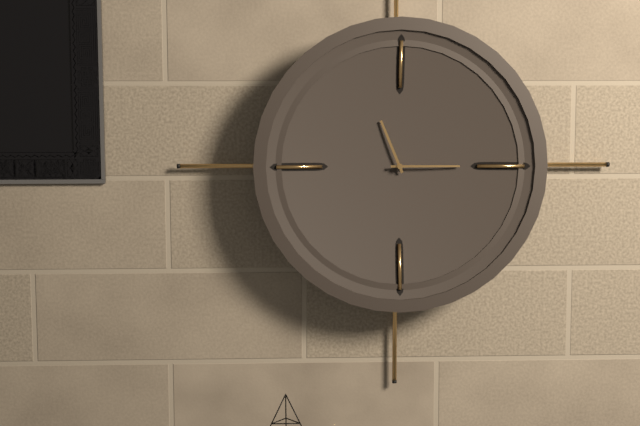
11:15
